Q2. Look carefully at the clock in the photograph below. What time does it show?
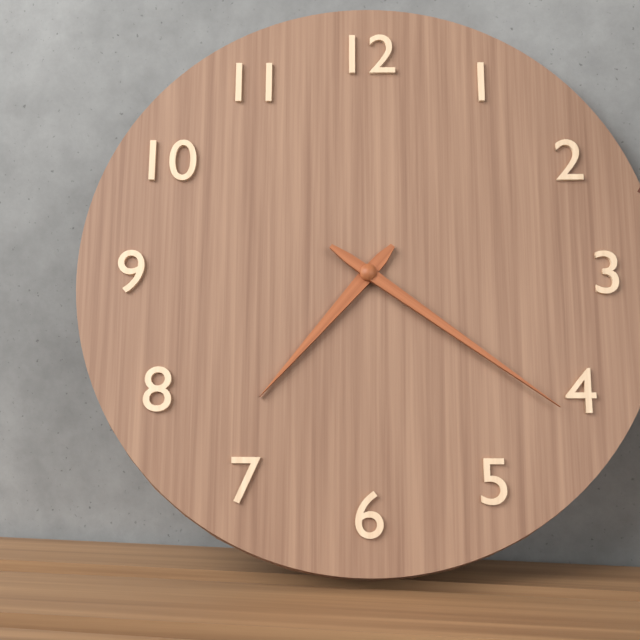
7:21
